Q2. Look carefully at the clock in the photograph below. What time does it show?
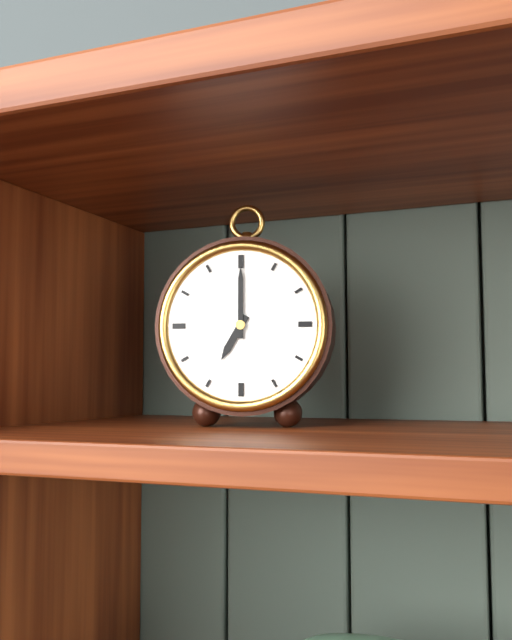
7:00
